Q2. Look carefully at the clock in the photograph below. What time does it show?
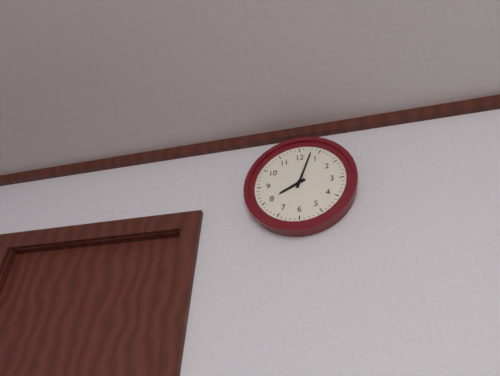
8:03
